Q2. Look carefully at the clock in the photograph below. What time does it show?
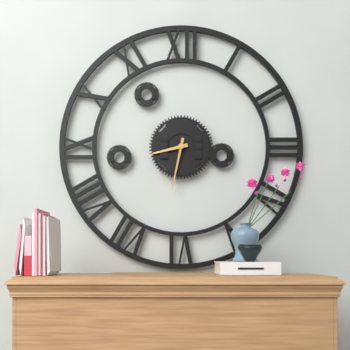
8:32
